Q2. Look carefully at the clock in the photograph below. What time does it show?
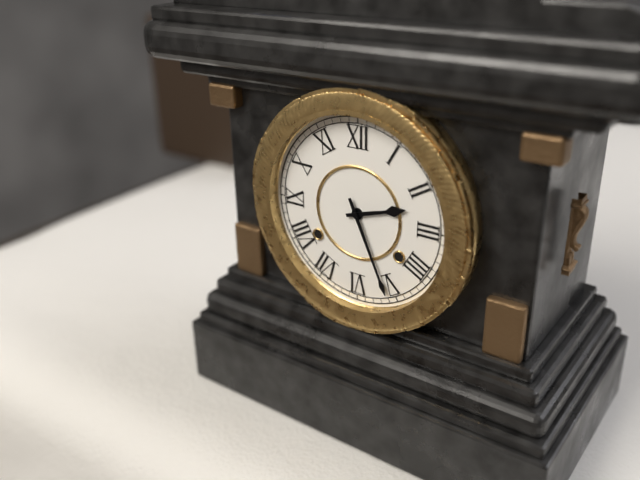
2:26
